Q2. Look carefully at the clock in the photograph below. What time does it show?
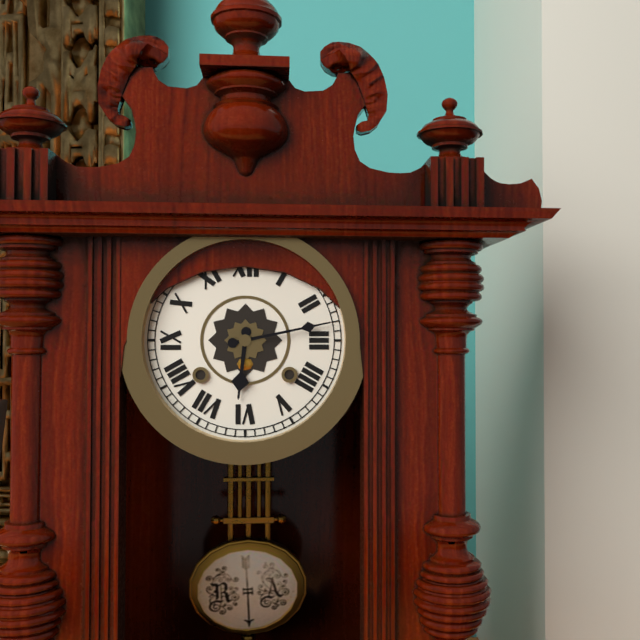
6:13
